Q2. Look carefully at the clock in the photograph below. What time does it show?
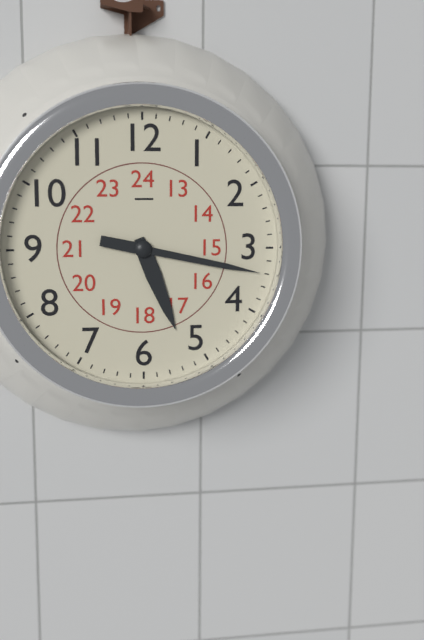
5:17
